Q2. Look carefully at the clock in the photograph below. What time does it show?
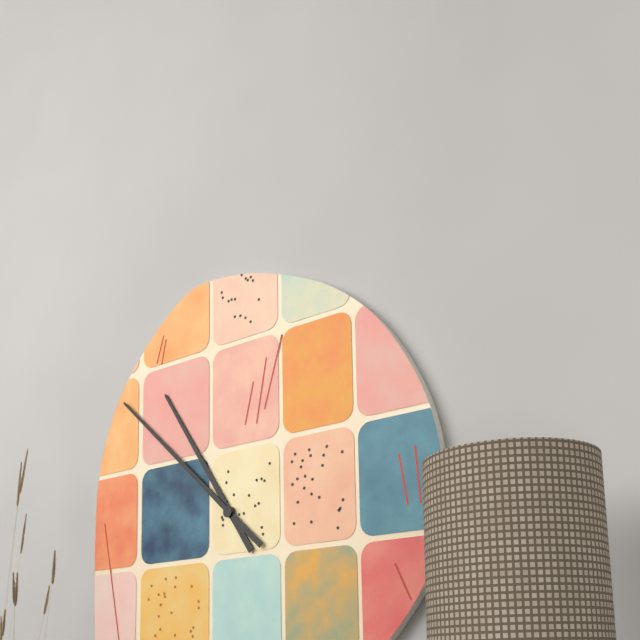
10:52
